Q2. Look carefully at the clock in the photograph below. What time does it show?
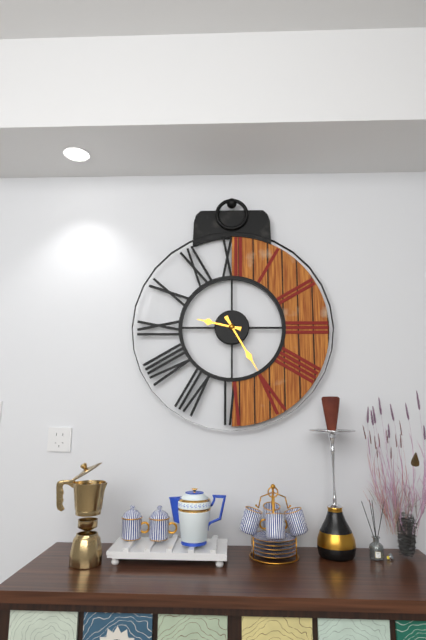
9:25
